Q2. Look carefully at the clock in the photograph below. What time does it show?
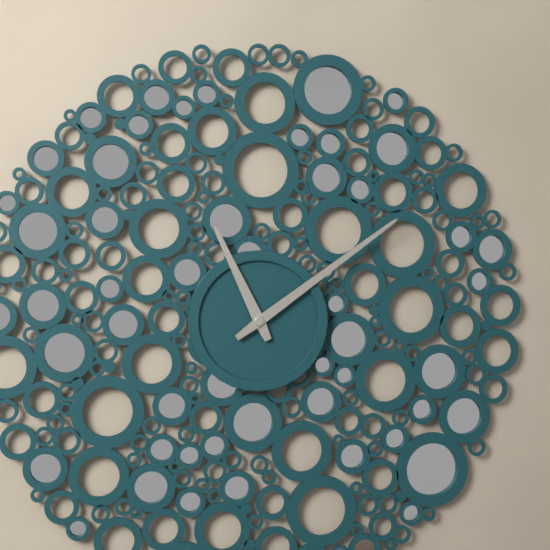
11:09
